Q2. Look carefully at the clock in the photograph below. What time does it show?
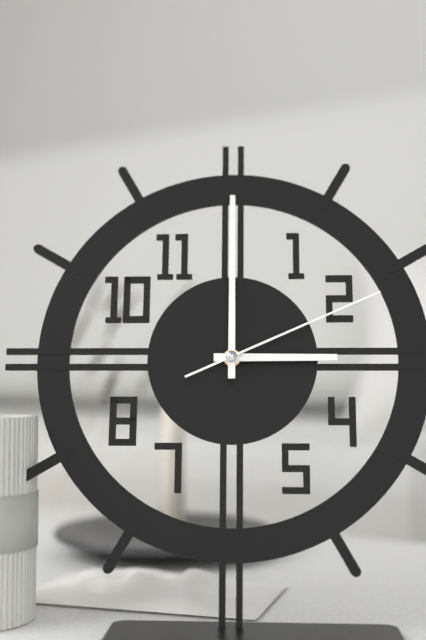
3:00:11
